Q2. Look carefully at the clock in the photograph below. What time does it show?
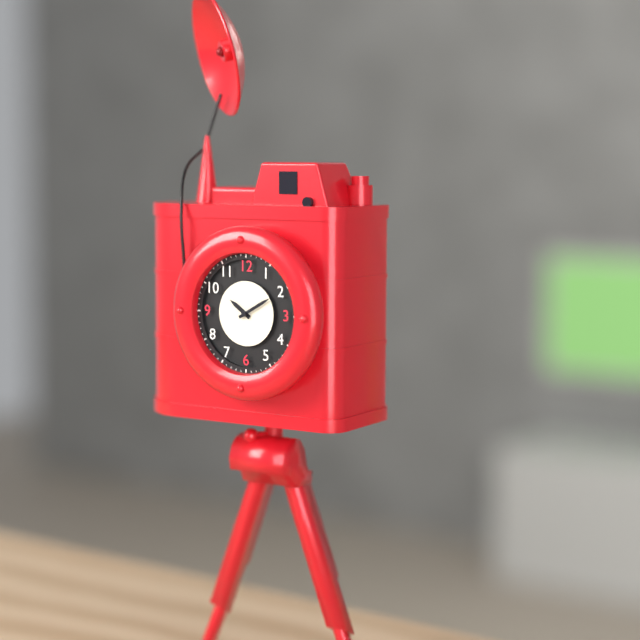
10:10
